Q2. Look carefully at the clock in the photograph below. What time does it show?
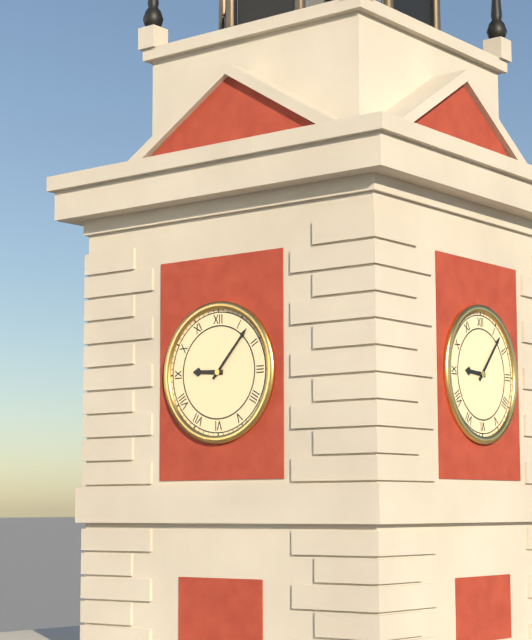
9:07
